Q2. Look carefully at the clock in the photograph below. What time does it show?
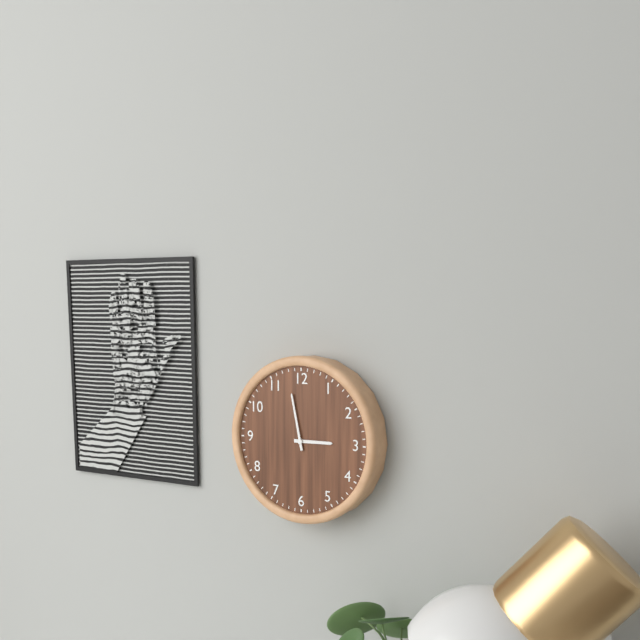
2:58
